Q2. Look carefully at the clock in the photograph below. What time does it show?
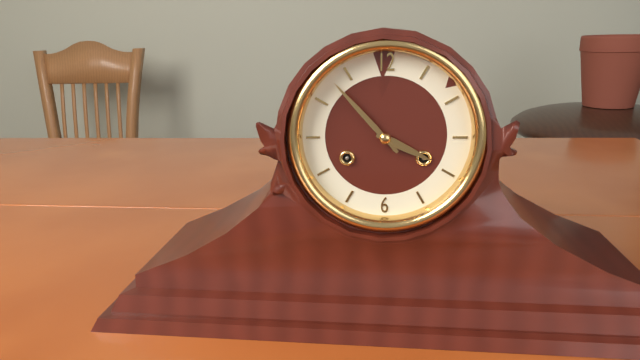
3:53
